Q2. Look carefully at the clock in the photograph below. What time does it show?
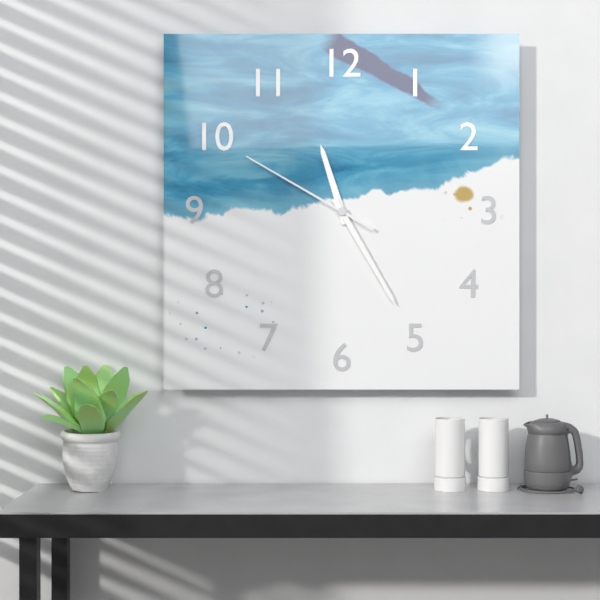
11:25:50
